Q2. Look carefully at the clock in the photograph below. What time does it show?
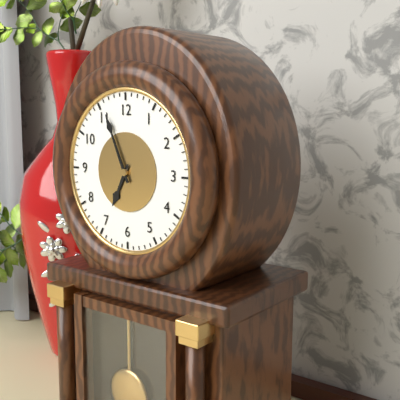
6:56
